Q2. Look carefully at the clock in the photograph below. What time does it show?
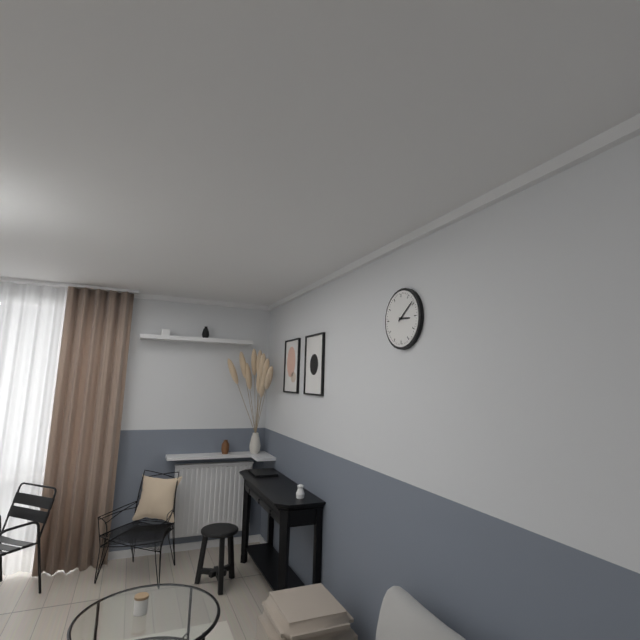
3:09
